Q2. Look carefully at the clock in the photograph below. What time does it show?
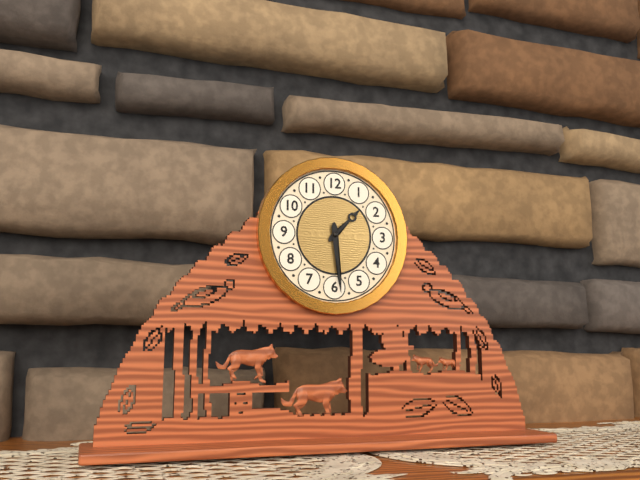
1:29
